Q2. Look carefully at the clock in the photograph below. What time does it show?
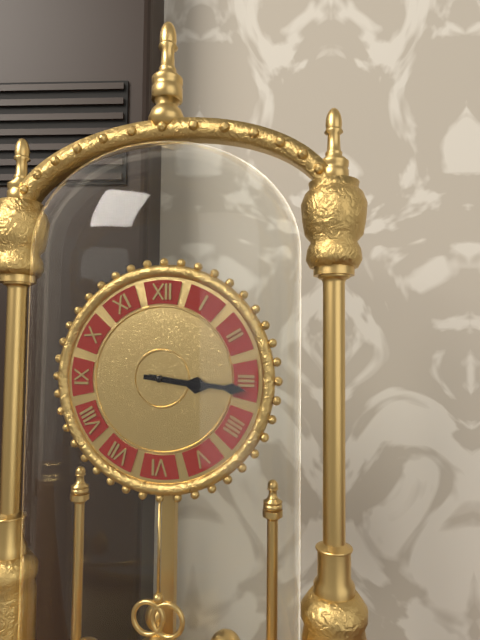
3:16
